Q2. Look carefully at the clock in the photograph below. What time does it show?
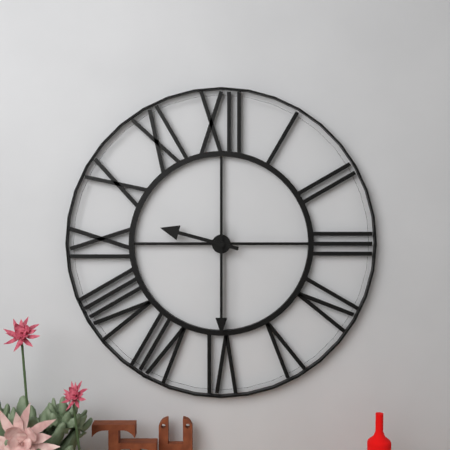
9:30
